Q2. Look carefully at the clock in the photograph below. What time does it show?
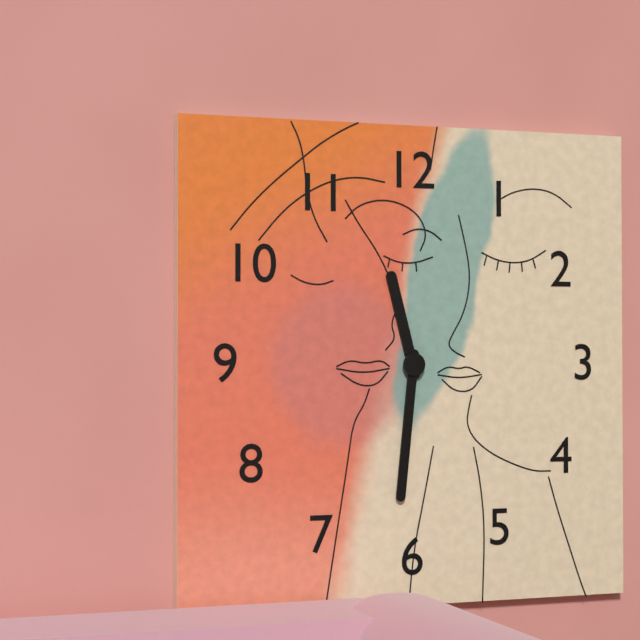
11:31
